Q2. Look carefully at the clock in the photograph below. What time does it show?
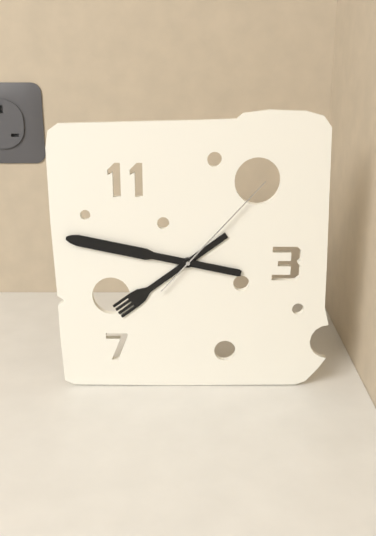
7:47:07
